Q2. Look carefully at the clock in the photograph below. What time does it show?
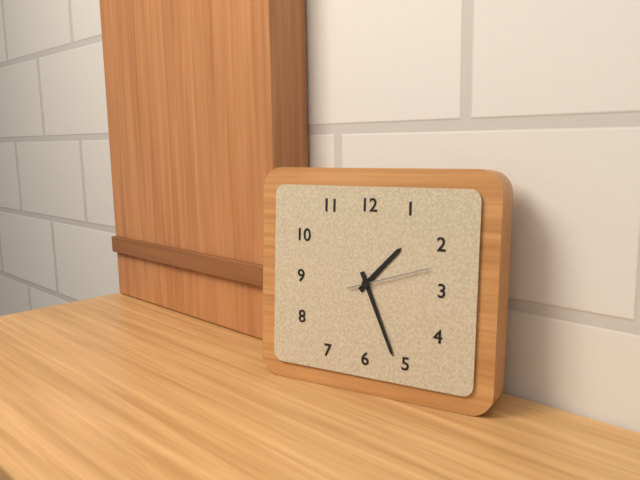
1:26:12
